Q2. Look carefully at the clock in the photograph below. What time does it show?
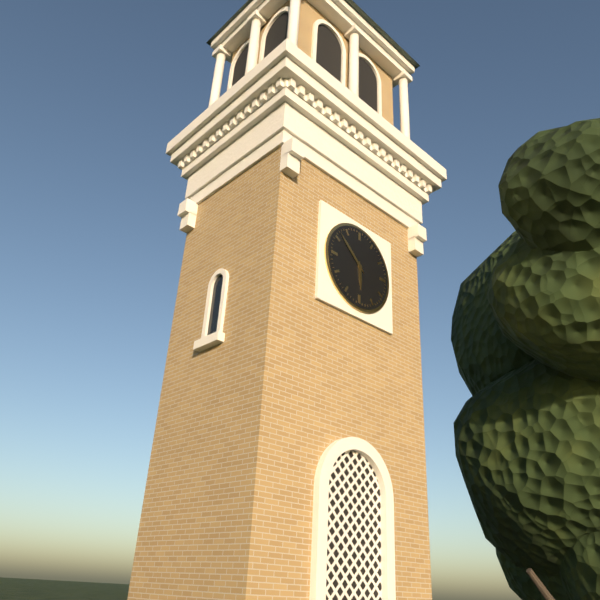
5:52
